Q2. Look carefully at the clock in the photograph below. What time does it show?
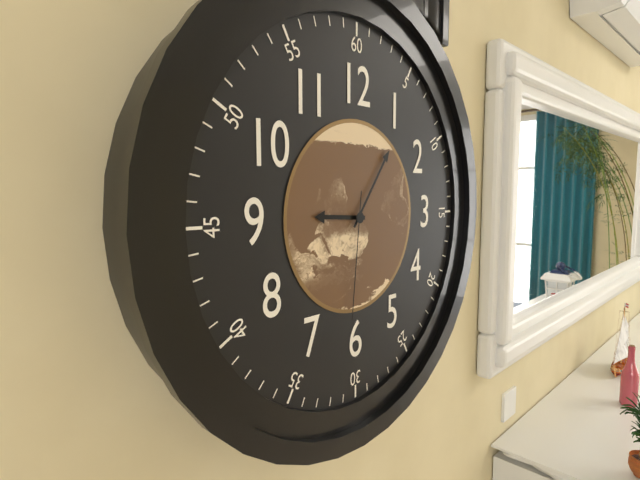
9:06:31
